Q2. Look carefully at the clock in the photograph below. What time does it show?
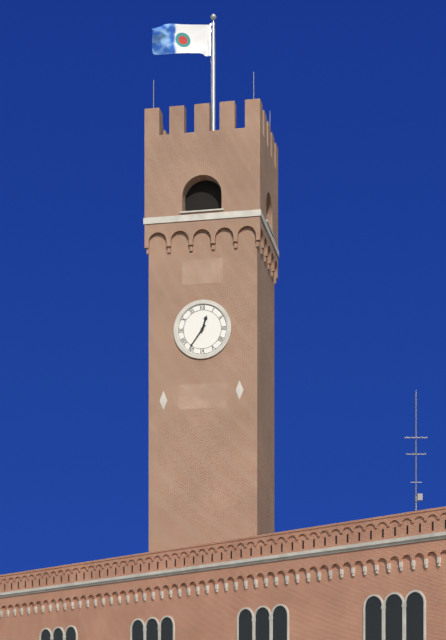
12:36
